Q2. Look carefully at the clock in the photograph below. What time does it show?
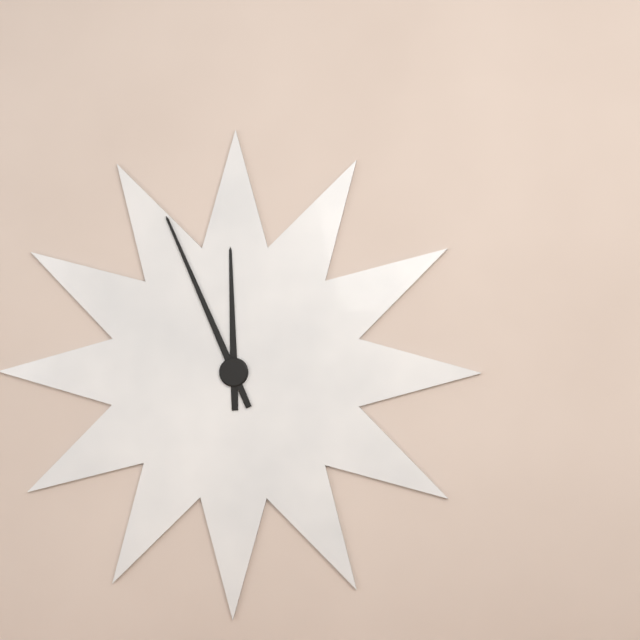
11:56
